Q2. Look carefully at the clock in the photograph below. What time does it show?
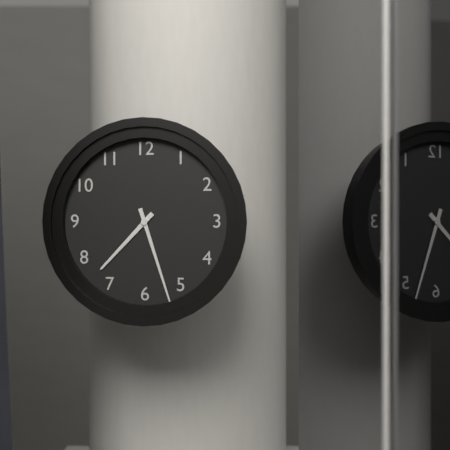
7:27
